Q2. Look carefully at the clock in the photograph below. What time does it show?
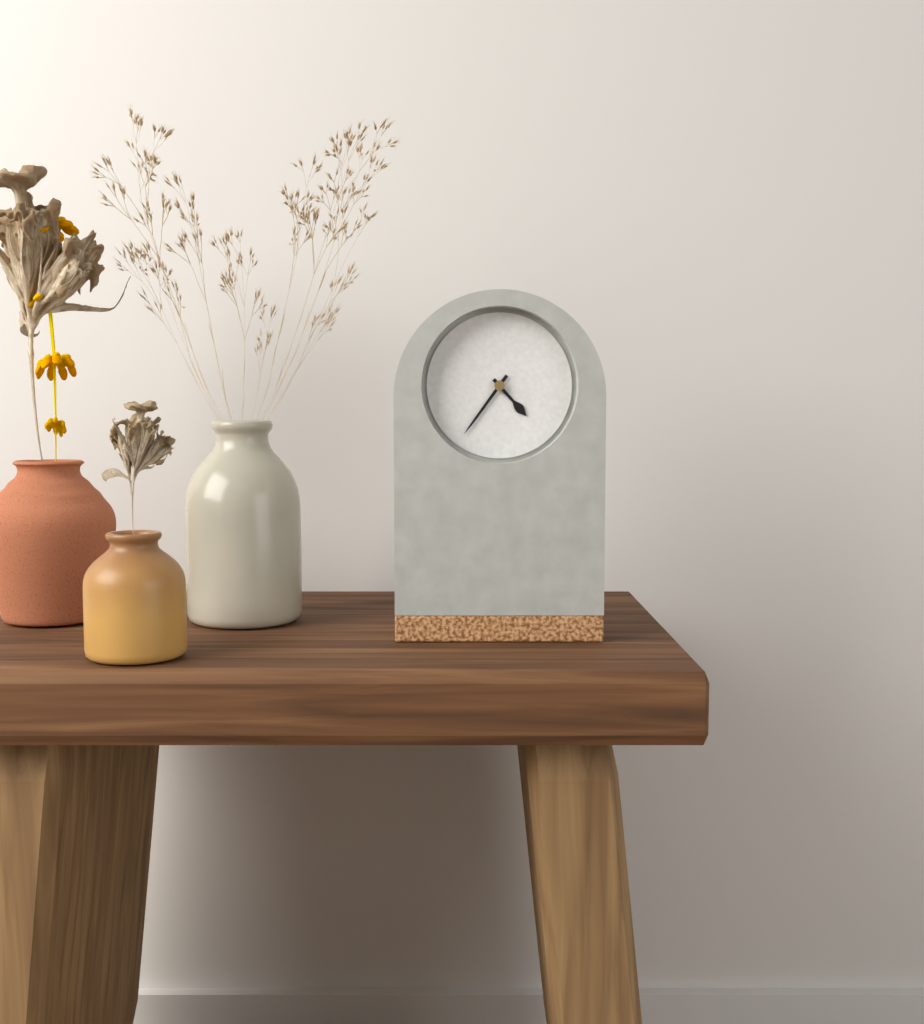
4:36
